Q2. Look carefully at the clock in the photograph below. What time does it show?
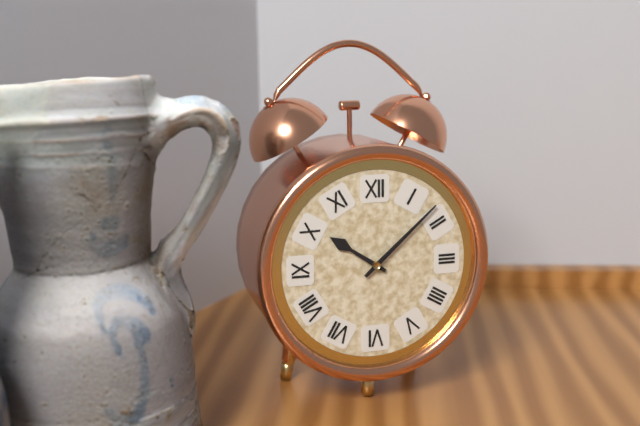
10:08
